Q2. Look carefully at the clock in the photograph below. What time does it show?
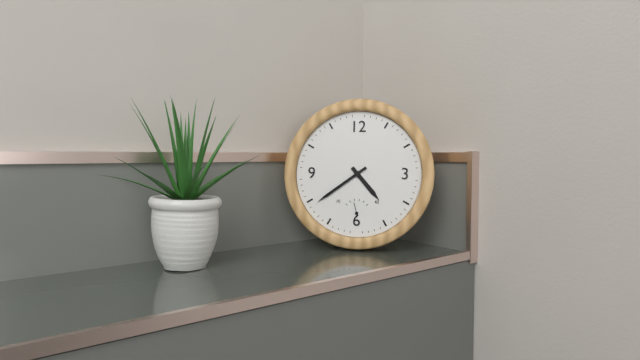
4:39
